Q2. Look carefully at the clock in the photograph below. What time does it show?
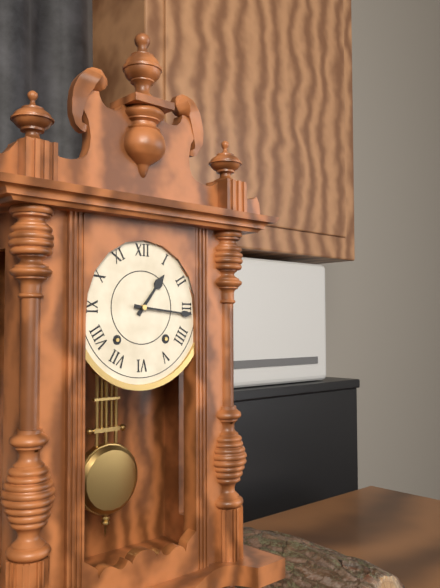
1:16
